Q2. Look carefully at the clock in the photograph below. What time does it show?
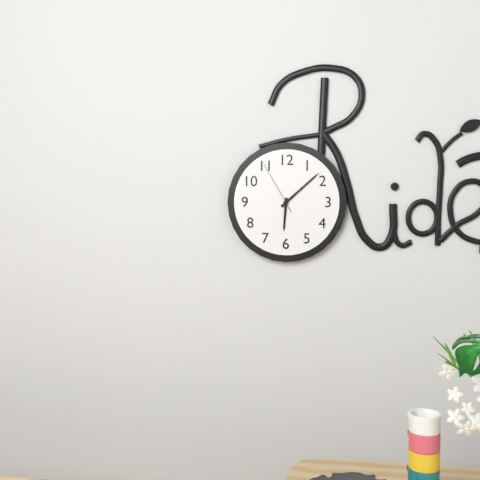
6:08:55
